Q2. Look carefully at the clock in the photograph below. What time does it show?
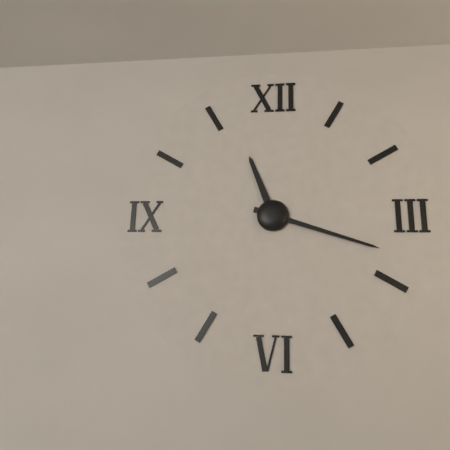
11:18
